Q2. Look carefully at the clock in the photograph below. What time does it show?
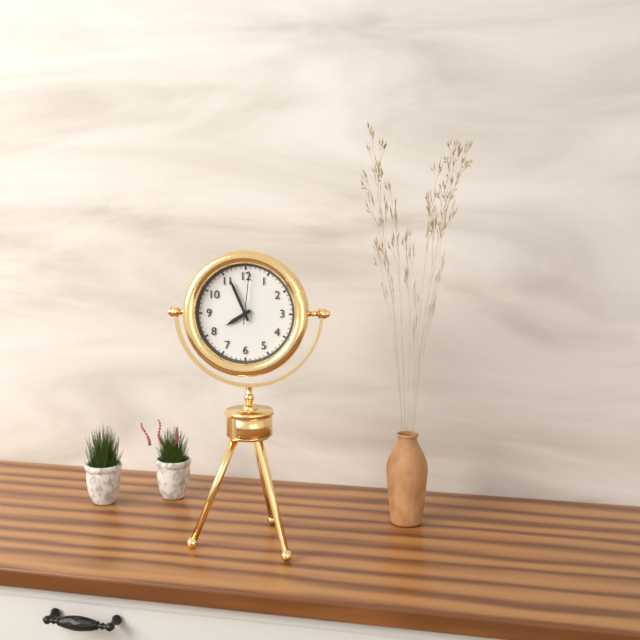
7:56:01
